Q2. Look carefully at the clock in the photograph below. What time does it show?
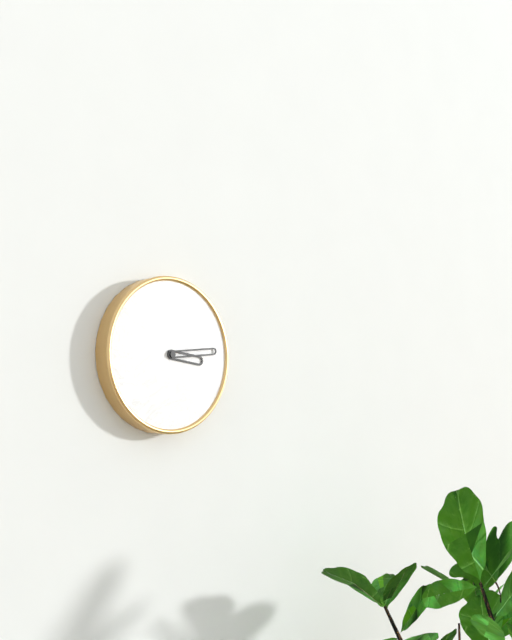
3:14
